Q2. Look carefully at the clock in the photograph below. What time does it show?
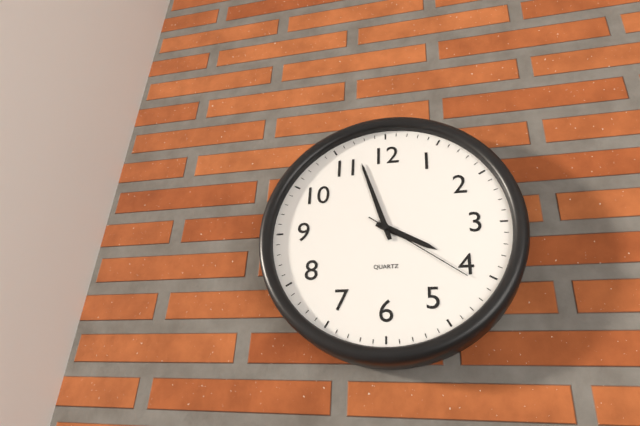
3:57:21
